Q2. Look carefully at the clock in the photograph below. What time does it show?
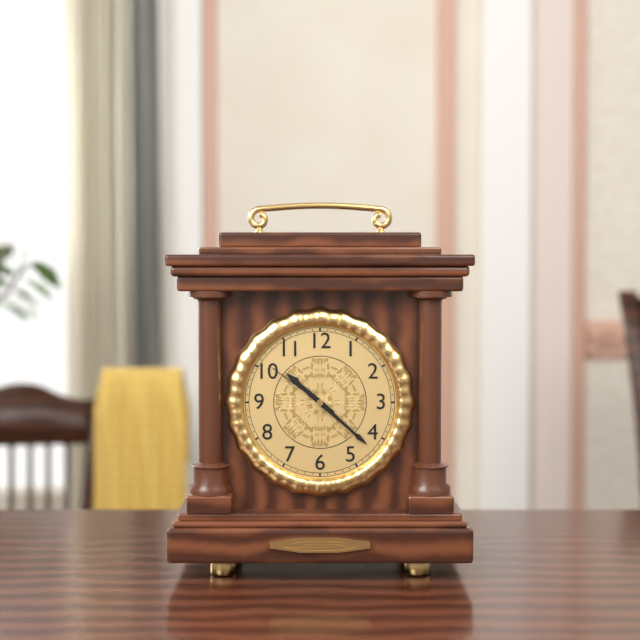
10:22:51
